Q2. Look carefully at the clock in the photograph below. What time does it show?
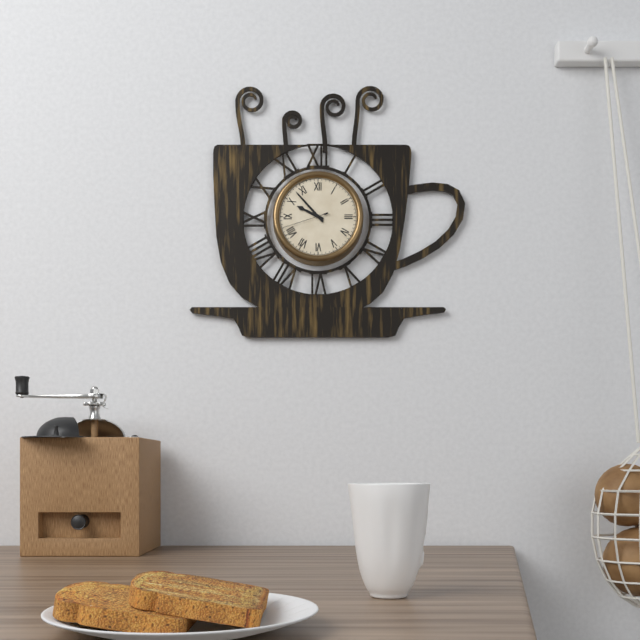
9:53
